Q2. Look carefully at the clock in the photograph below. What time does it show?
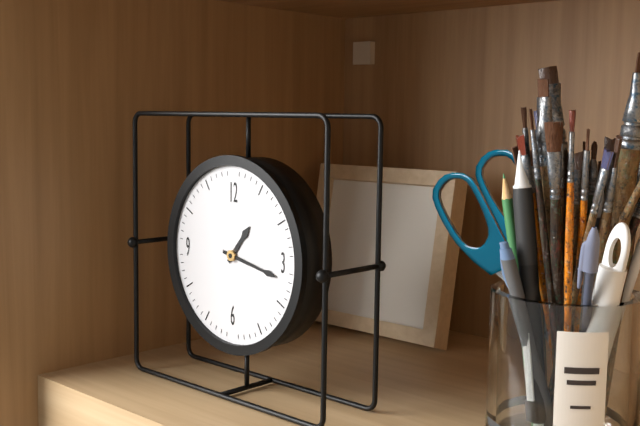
1:17
